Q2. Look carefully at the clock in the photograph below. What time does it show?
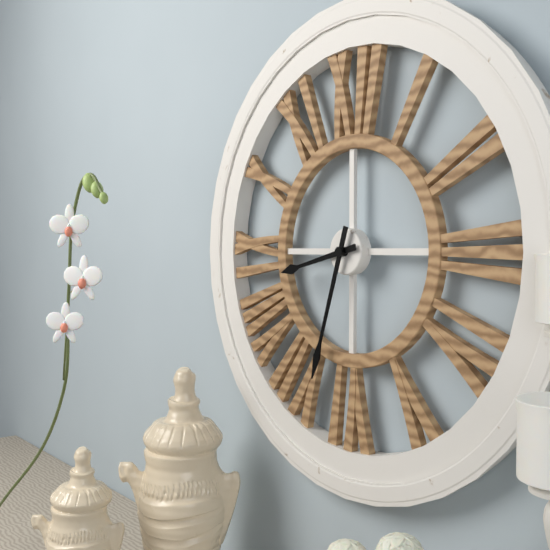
8:33
